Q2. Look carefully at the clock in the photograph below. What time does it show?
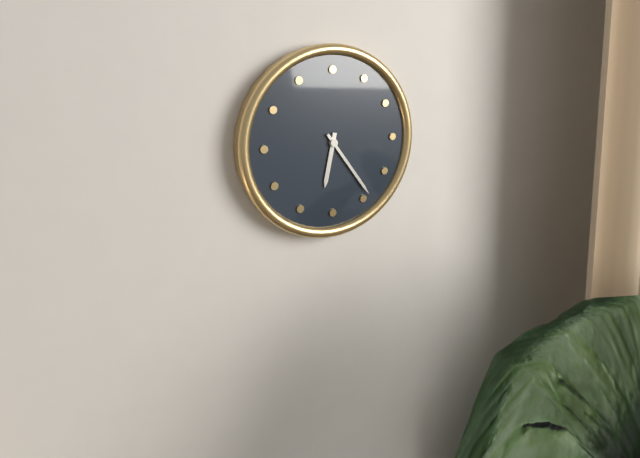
6:24
